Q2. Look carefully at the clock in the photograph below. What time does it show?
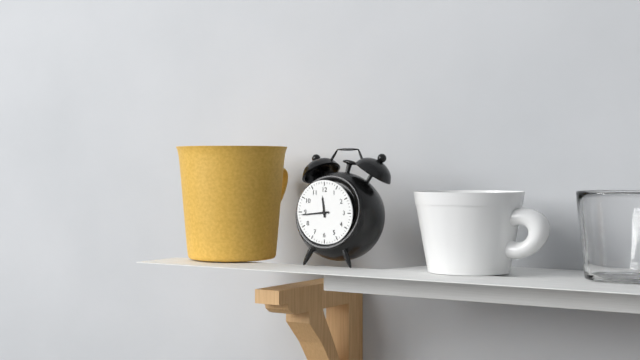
11:44
